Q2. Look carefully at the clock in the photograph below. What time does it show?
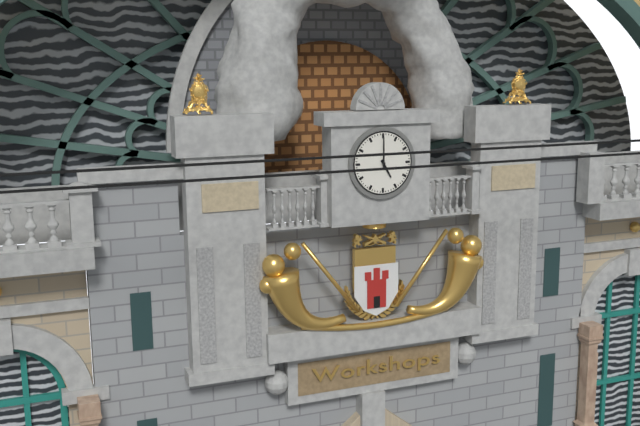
5:00
